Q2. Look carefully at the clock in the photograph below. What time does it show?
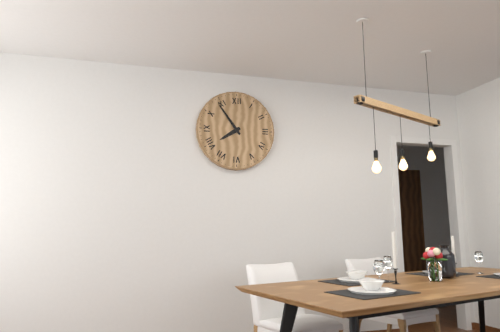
7:54
